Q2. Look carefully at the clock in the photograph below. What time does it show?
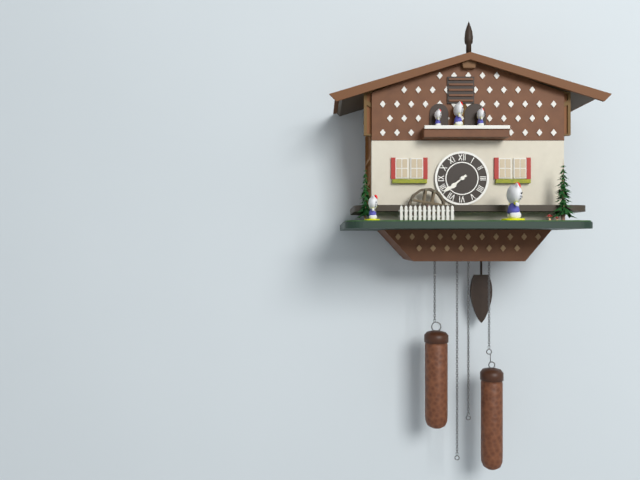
7:39
